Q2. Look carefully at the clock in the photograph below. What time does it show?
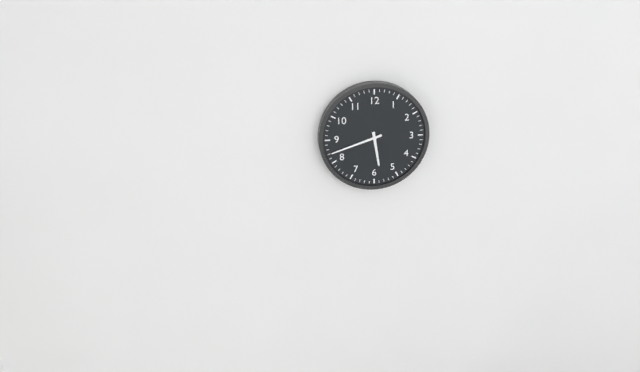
5:42
